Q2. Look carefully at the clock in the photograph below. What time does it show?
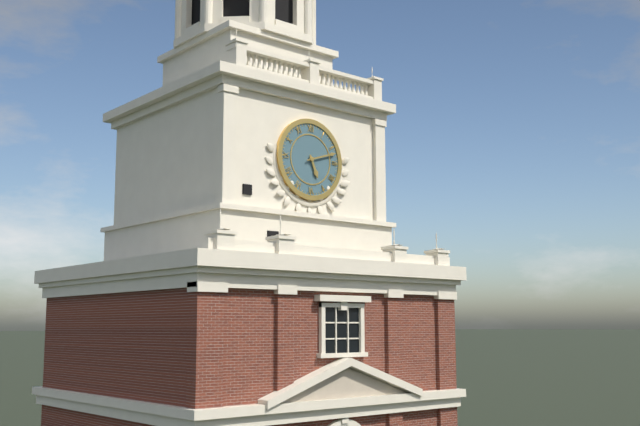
5:12
